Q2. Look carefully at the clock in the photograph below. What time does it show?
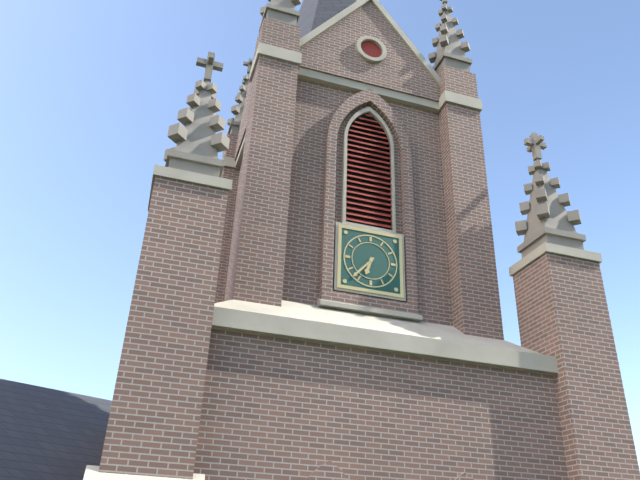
6:37
